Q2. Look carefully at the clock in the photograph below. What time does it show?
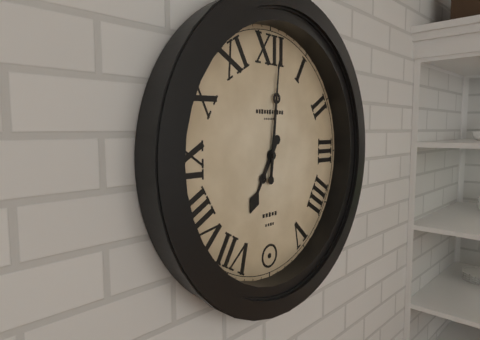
7:01
